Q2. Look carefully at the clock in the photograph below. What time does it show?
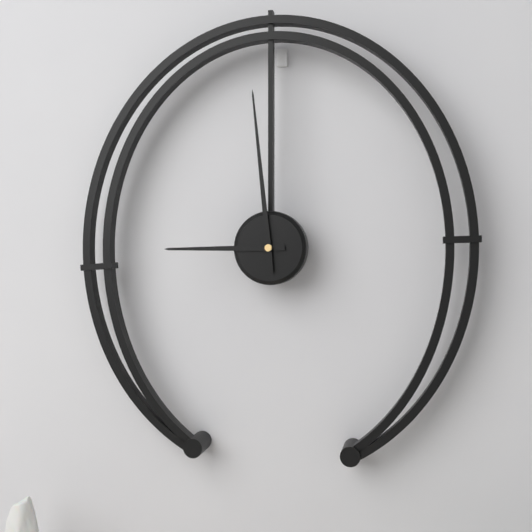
8:59
